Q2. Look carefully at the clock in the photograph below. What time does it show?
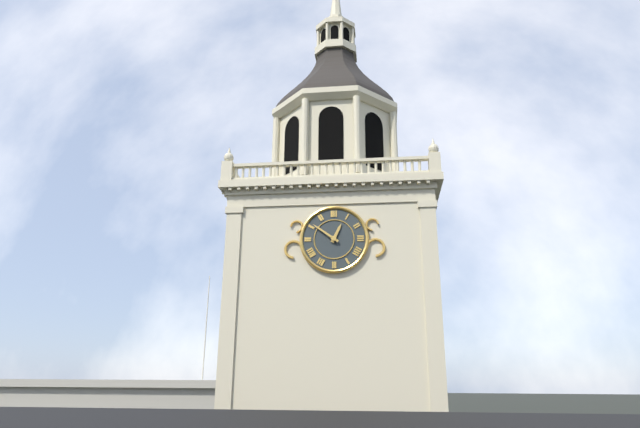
12:51
